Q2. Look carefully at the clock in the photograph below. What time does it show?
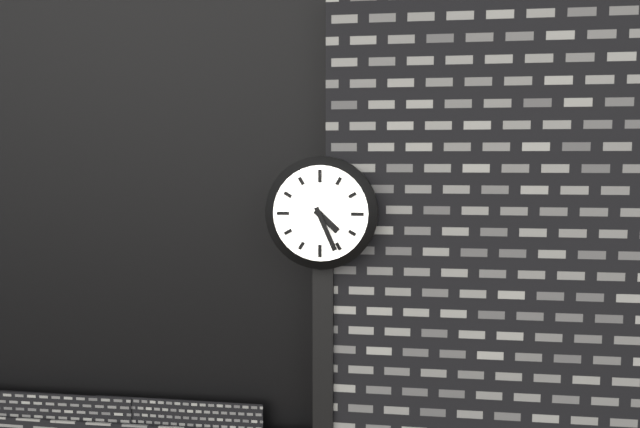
4:26
